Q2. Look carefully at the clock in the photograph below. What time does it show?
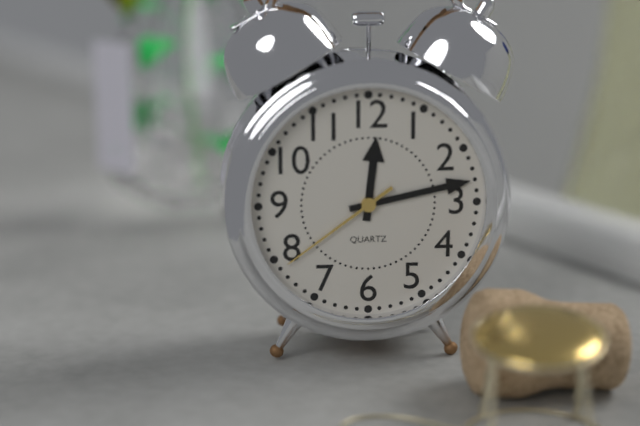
12:13:39
